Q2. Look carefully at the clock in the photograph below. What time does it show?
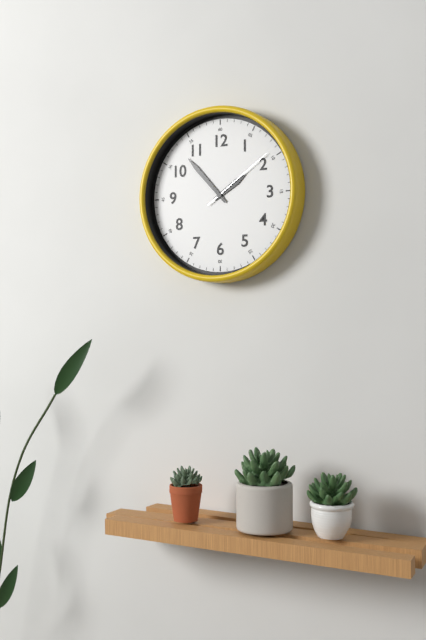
1:53:09
